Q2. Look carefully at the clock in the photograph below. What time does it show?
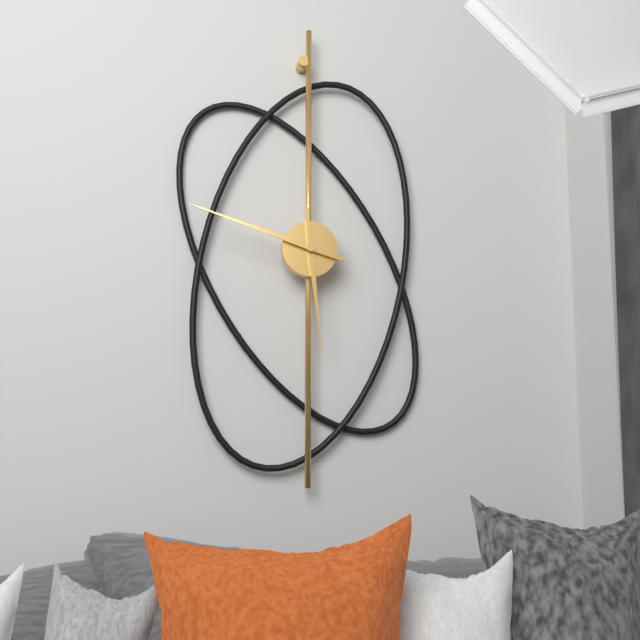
5:48
